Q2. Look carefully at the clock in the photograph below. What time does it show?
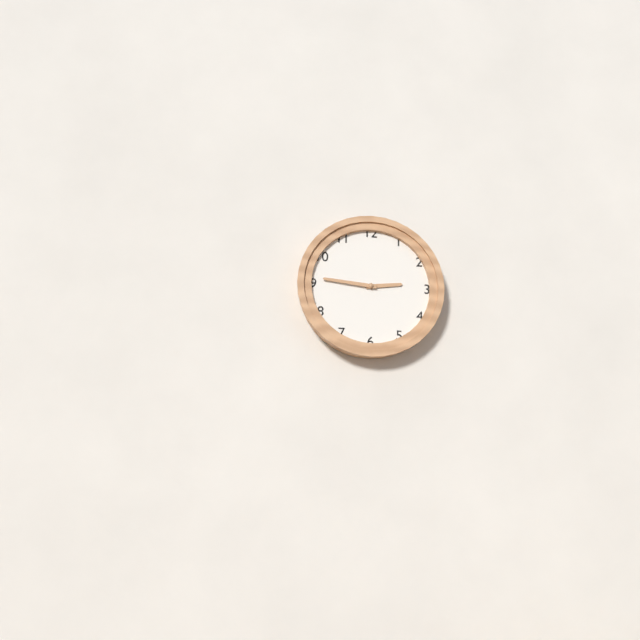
2:46
